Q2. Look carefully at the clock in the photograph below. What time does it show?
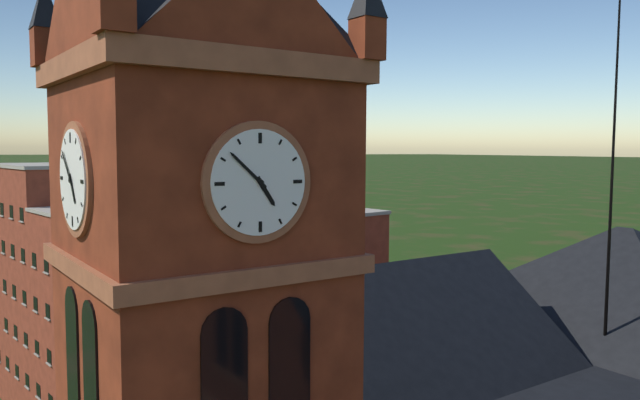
4:52
